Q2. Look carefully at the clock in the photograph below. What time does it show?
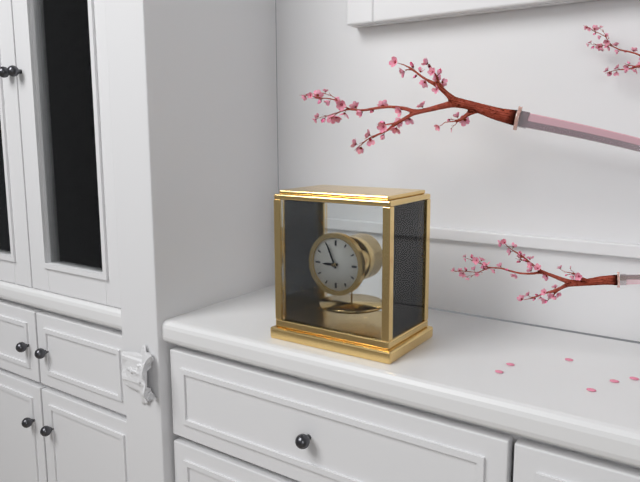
8:56
